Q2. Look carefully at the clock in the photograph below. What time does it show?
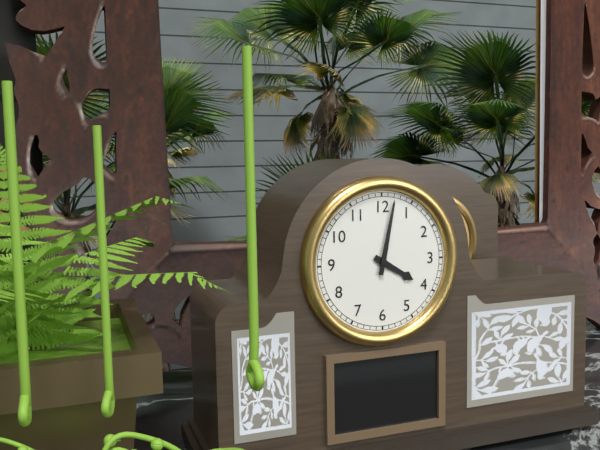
4:02
